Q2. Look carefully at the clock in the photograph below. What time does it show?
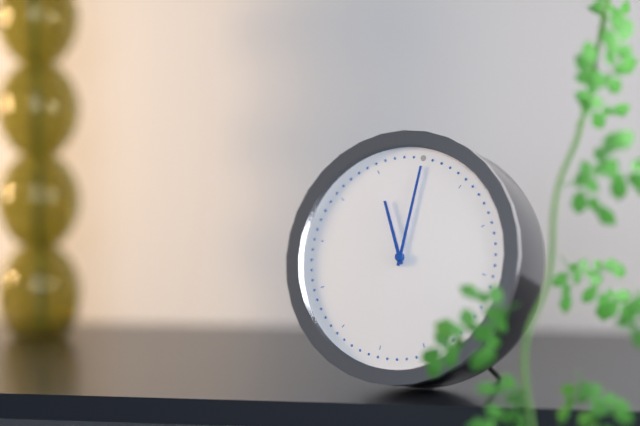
11:00
